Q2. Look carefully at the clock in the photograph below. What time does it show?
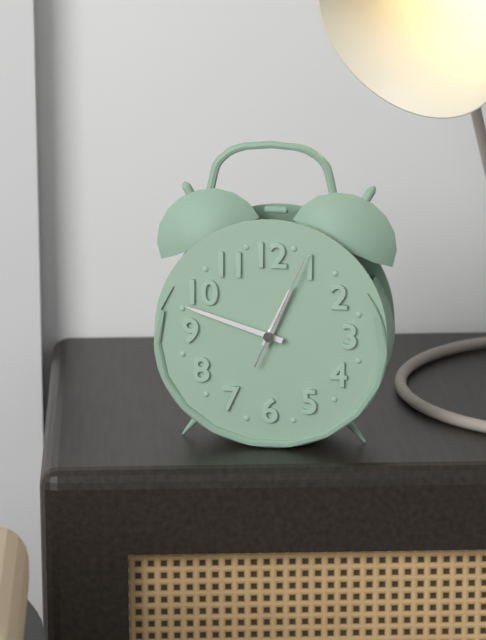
12:48:04
